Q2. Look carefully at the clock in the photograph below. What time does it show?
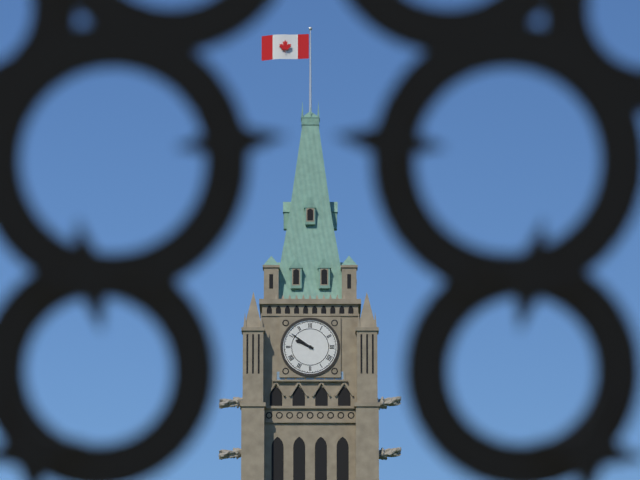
9:51
